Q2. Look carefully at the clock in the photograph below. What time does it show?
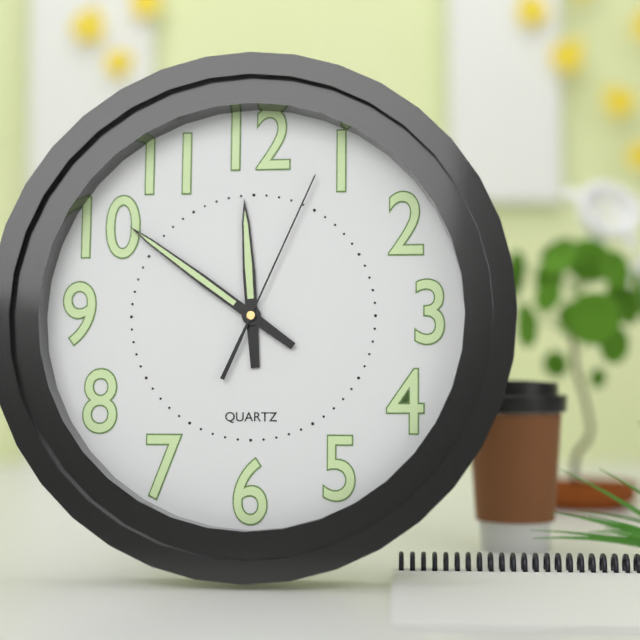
11:51:04
